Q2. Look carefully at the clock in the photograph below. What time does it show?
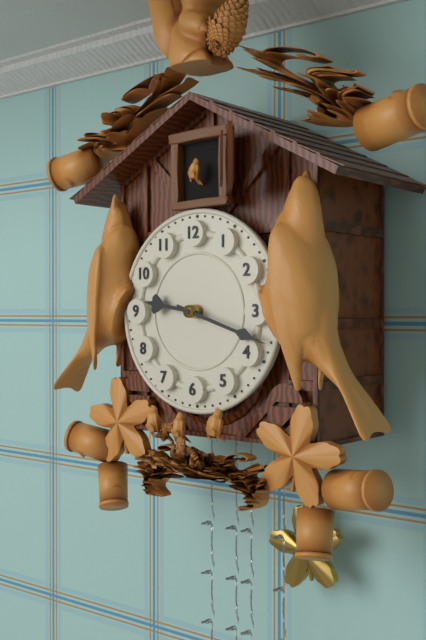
9:18
